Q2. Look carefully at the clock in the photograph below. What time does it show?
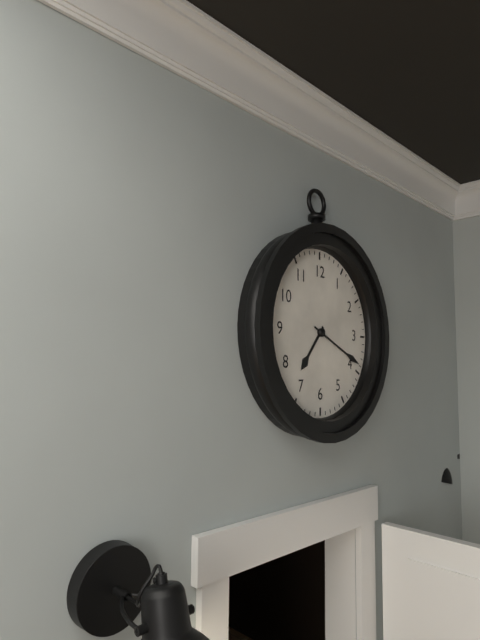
7:19
